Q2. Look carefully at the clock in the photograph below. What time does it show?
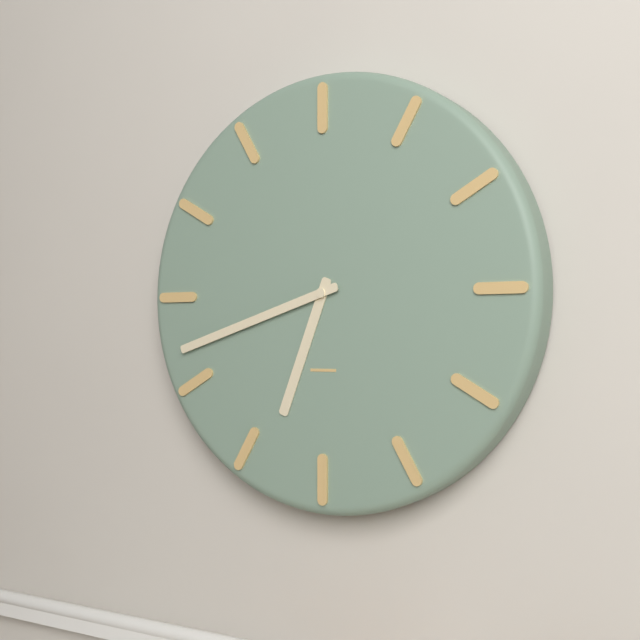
6:42
